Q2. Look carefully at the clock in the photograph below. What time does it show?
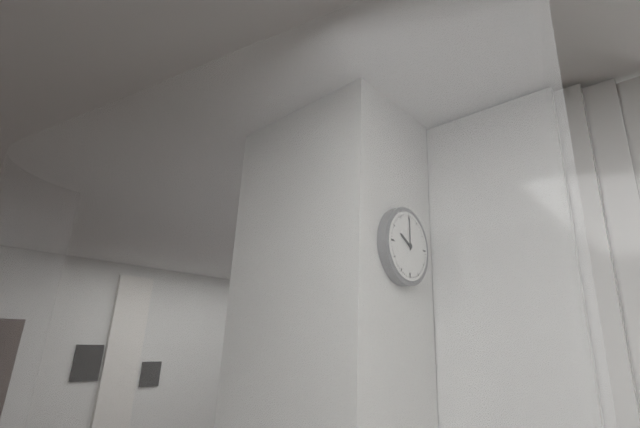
10:00
